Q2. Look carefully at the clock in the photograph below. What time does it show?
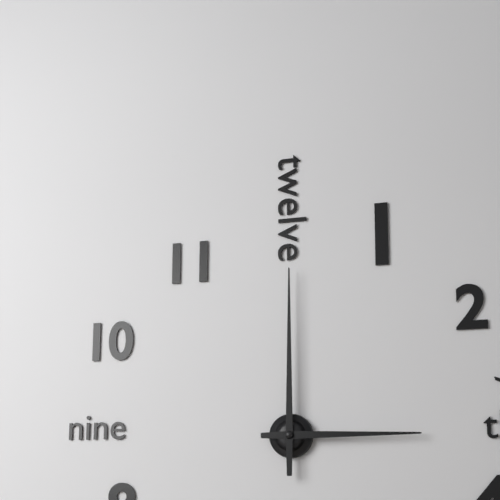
3:00
